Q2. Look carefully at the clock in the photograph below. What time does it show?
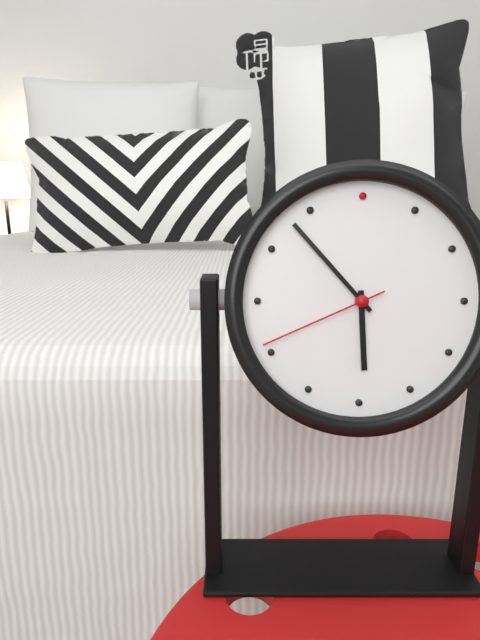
5:53:41
